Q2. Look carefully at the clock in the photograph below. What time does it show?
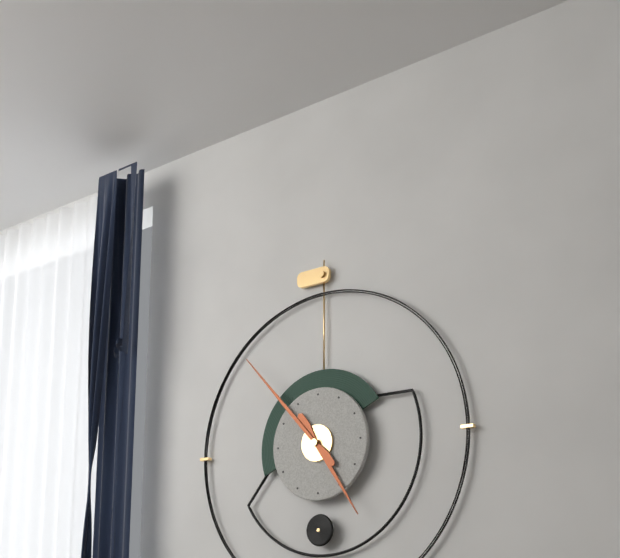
4:53
